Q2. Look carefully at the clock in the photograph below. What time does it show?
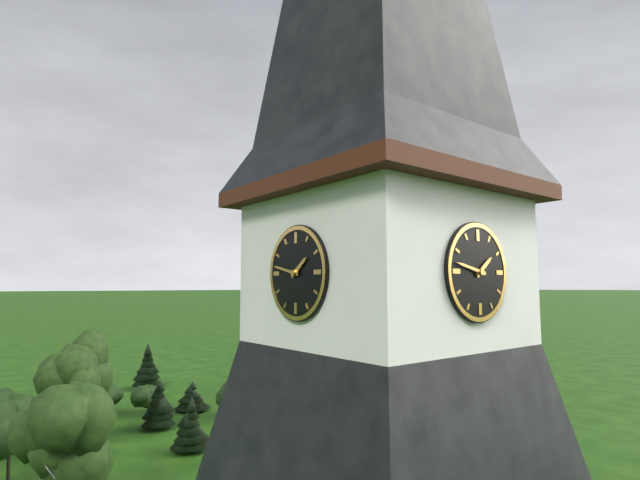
1:47
